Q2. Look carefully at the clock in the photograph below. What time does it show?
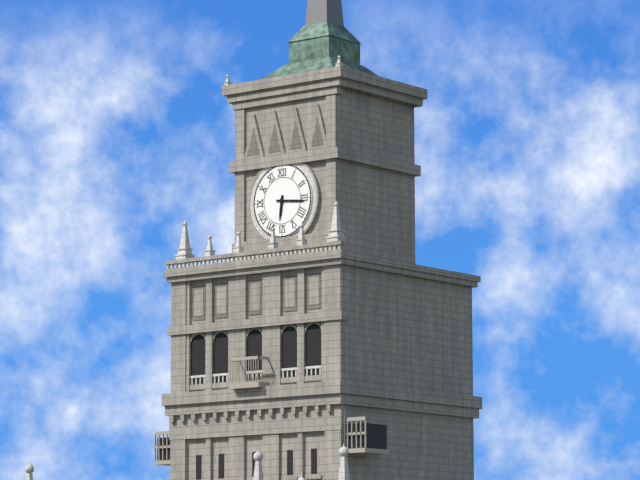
6:16
